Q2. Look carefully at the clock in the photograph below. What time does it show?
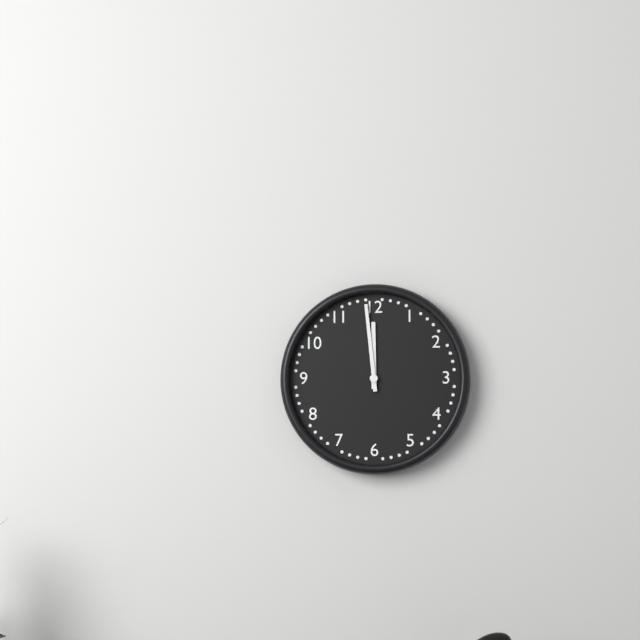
11:59
